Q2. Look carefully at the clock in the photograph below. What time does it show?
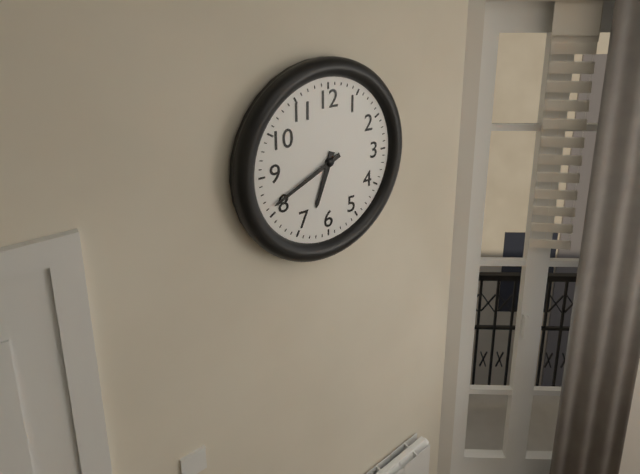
6:41
